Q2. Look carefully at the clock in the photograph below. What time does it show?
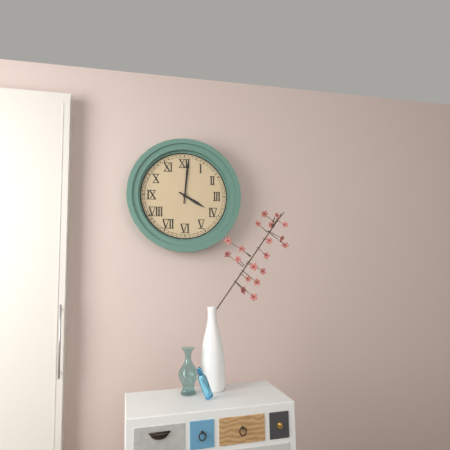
4:01
